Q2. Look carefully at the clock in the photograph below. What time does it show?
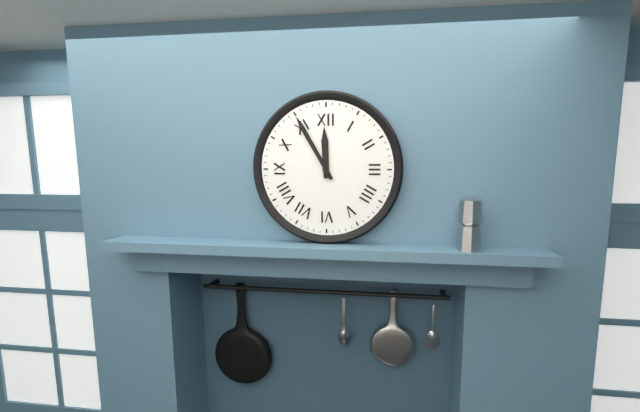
11:55
